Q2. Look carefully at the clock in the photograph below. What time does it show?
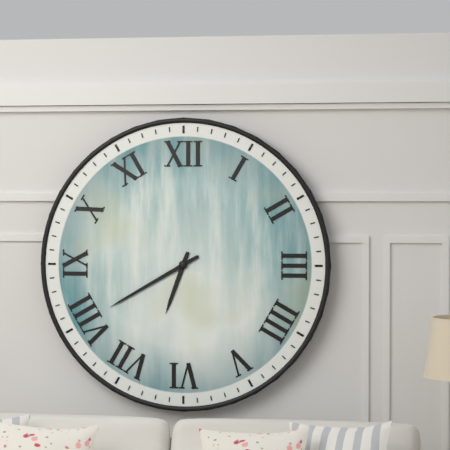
6:40
